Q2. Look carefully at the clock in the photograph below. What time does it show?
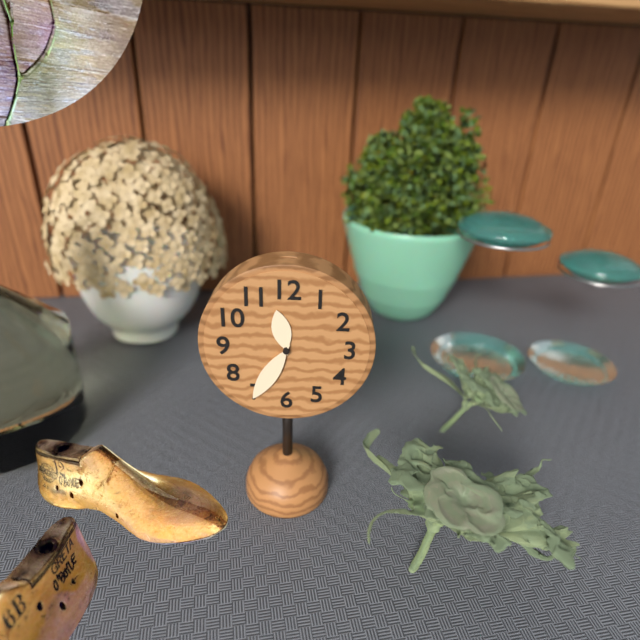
11:35
